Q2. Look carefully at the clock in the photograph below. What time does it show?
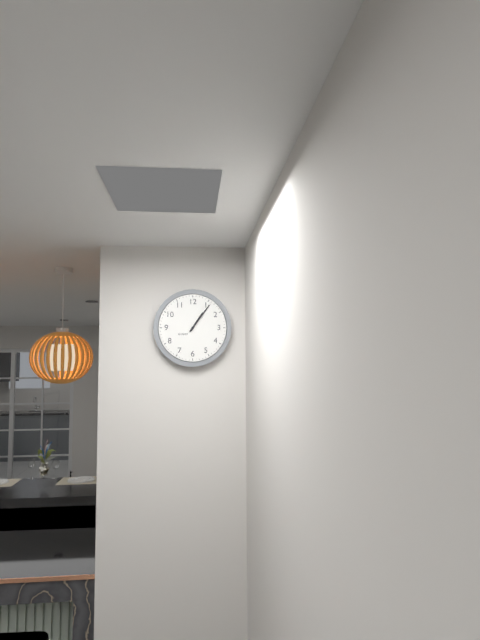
1:06
